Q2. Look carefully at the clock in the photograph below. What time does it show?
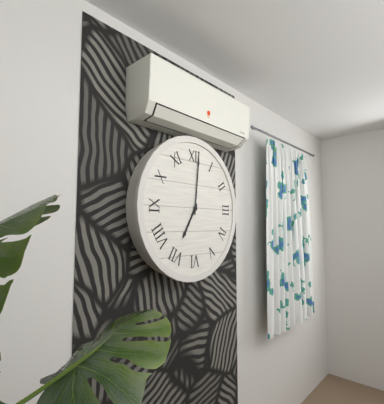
7:01
